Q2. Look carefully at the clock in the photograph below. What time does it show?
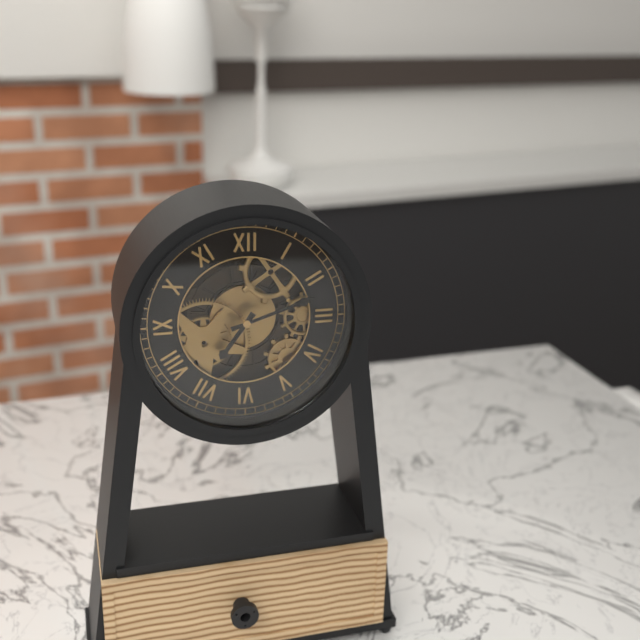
7:12
